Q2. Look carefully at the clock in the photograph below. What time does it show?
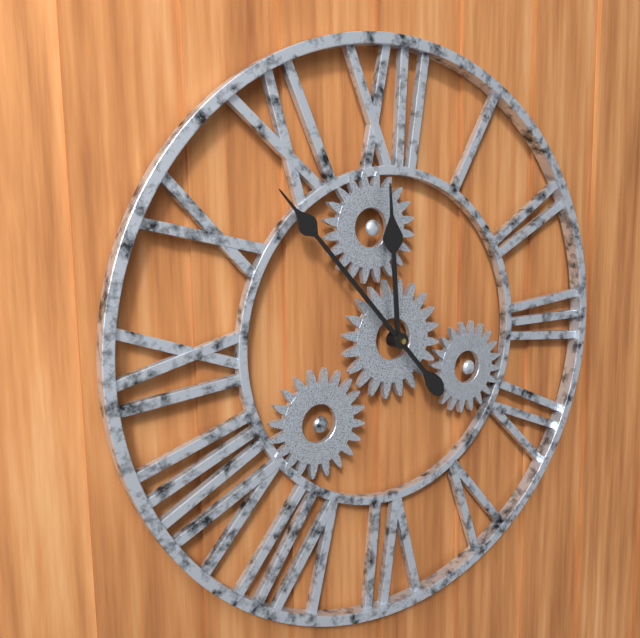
11:53
